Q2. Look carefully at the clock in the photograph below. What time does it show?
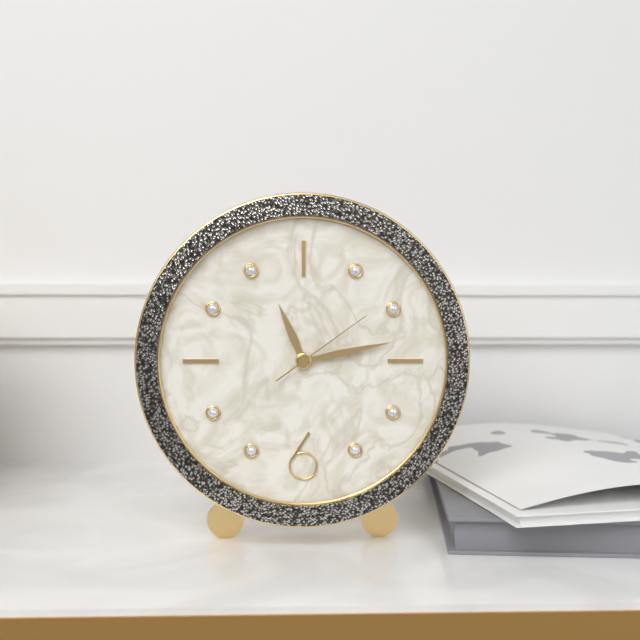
11:13:09
